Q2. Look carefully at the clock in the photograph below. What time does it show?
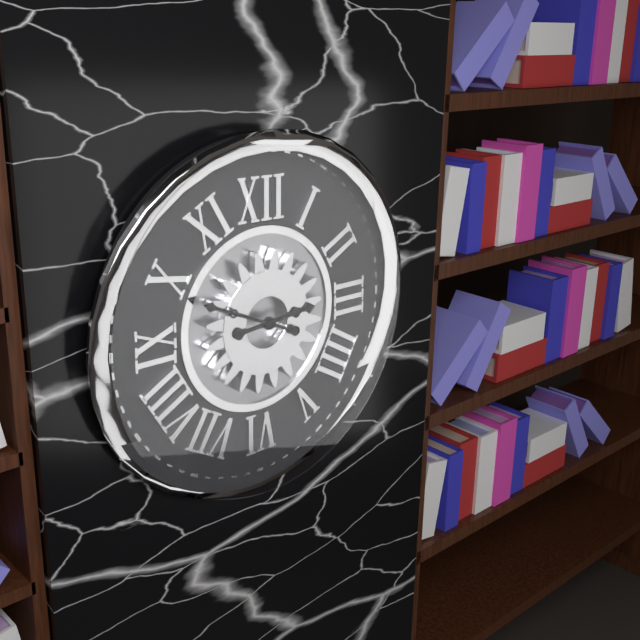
2:49
